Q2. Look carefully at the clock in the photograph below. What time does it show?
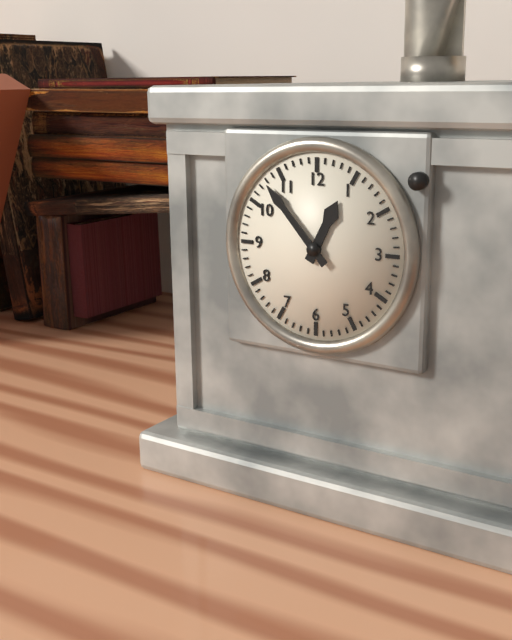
12:53
